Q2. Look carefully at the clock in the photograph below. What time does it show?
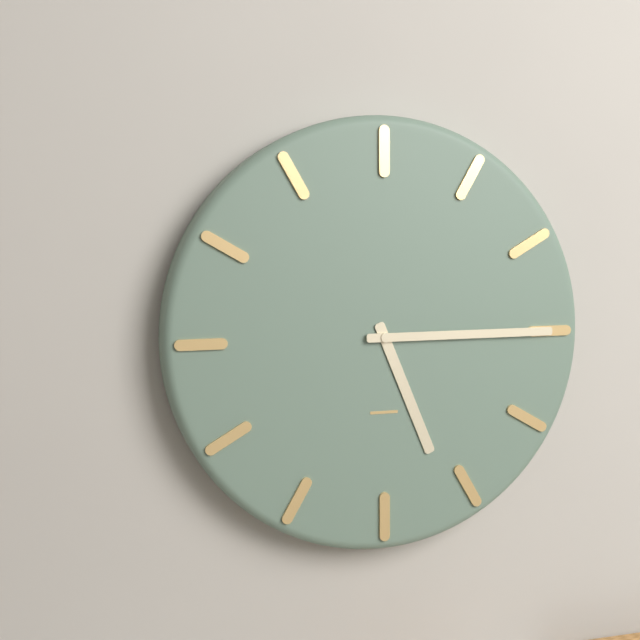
5:15
